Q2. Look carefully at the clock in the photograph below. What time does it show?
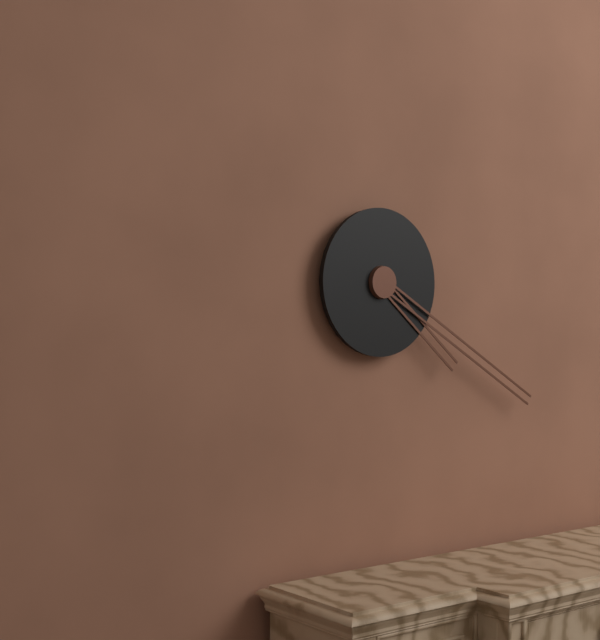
4:20
